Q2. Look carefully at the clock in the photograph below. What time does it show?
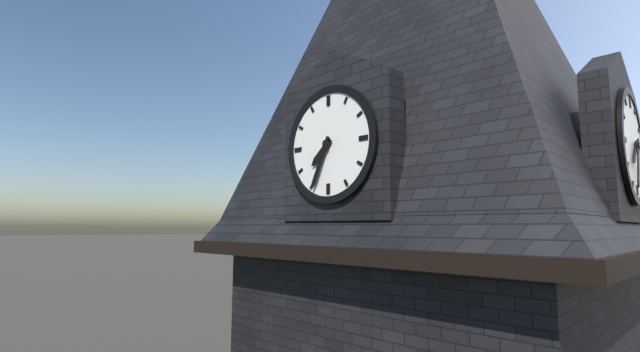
7:34
